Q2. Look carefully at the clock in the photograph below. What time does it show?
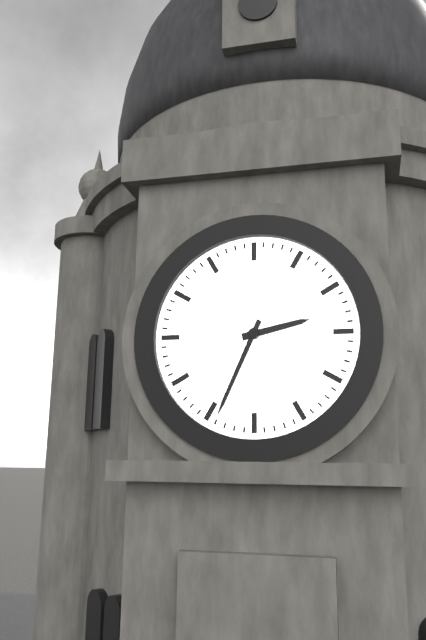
2:34
